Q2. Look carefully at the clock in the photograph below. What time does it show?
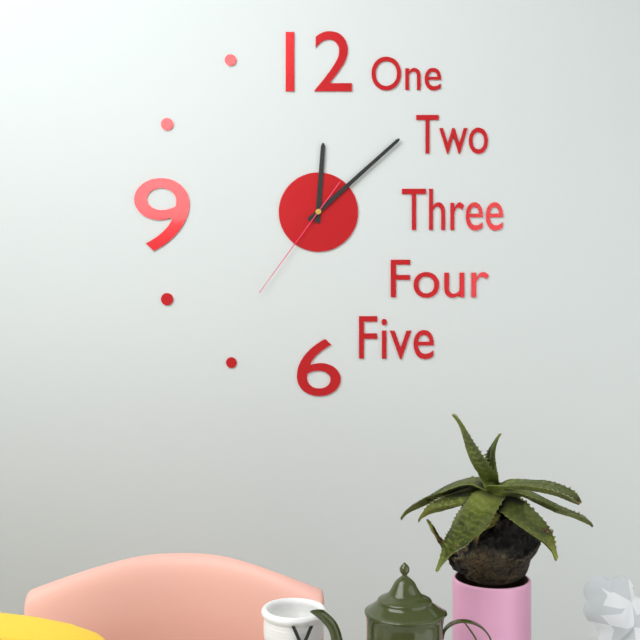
12:08:36
